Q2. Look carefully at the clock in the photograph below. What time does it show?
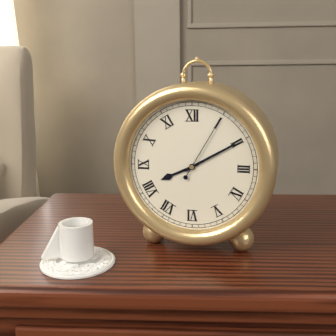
8:10:05
